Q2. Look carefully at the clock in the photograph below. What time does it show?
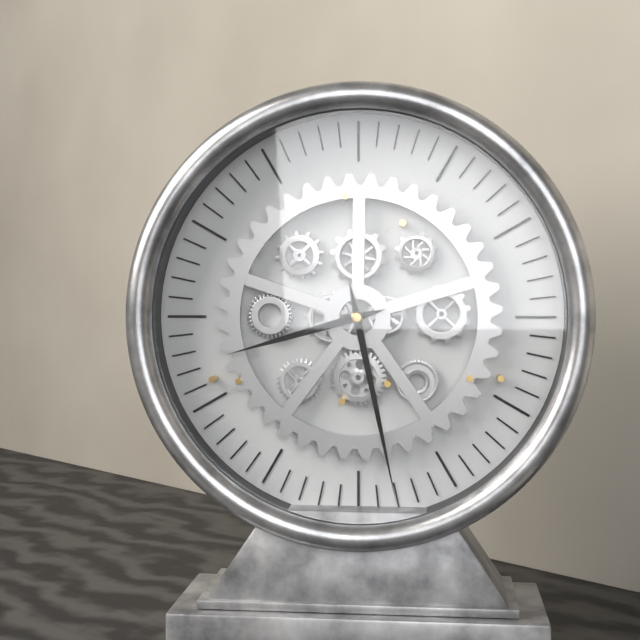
8:28
